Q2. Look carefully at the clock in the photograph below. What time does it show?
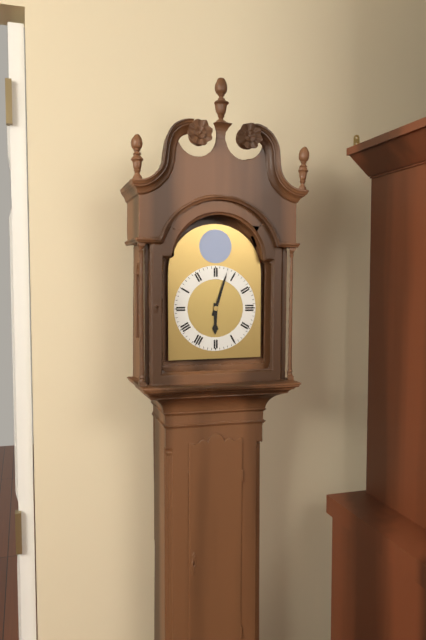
6:03
